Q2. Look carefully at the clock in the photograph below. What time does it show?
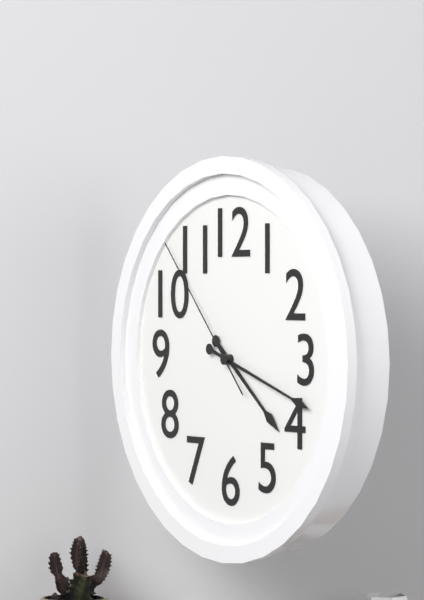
4:18:53
